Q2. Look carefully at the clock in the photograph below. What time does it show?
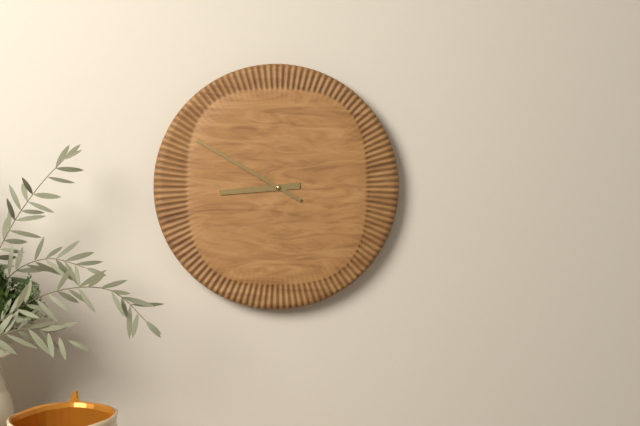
8:50
